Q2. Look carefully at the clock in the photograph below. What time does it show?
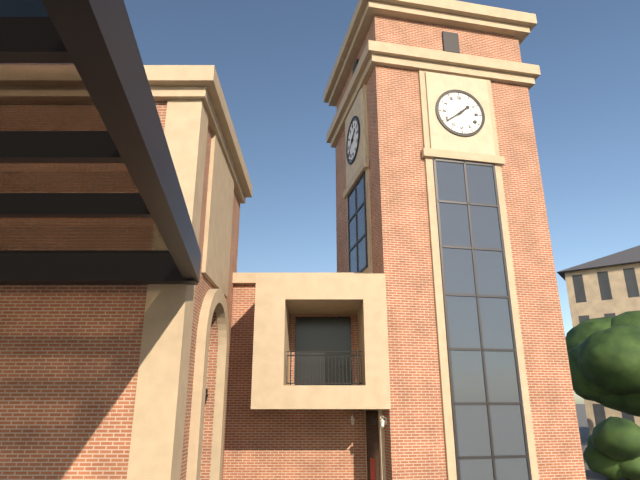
1:39
